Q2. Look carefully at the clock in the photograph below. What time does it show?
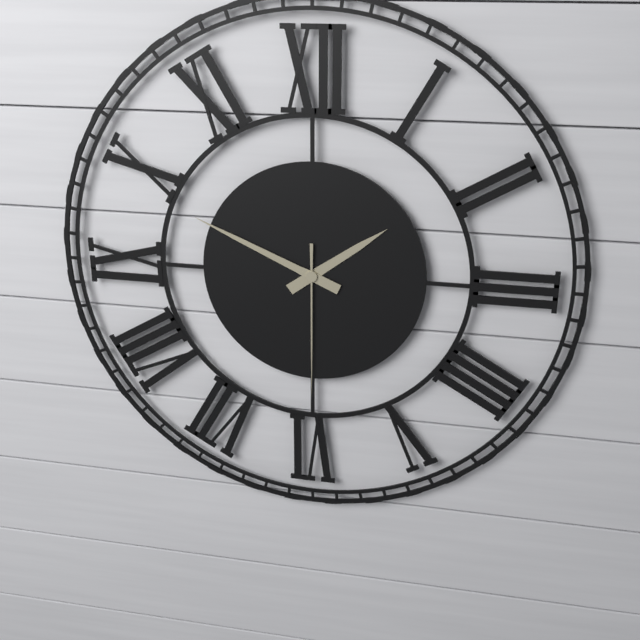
1:49:30
